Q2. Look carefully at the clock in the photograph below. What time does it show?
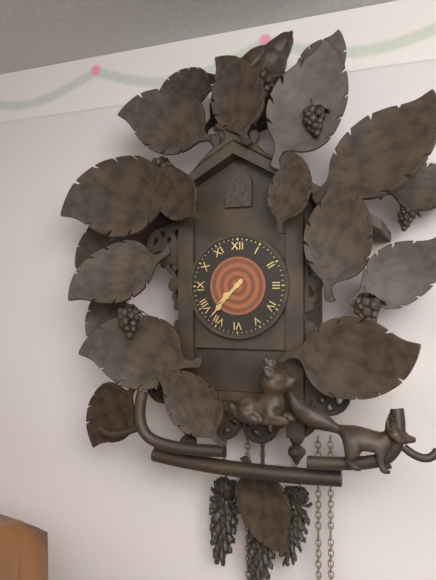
7:37
